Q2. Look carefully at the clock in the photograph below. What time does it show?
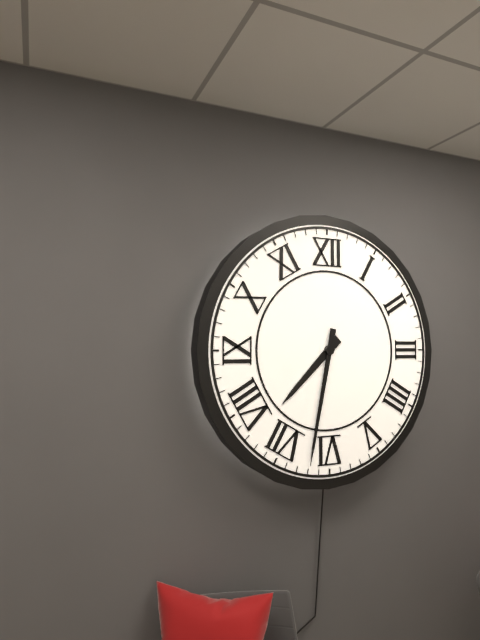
7:32
